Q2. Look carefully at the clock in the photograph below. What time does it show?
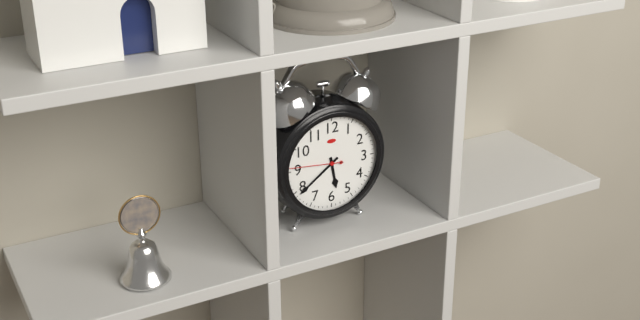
5:39:46
